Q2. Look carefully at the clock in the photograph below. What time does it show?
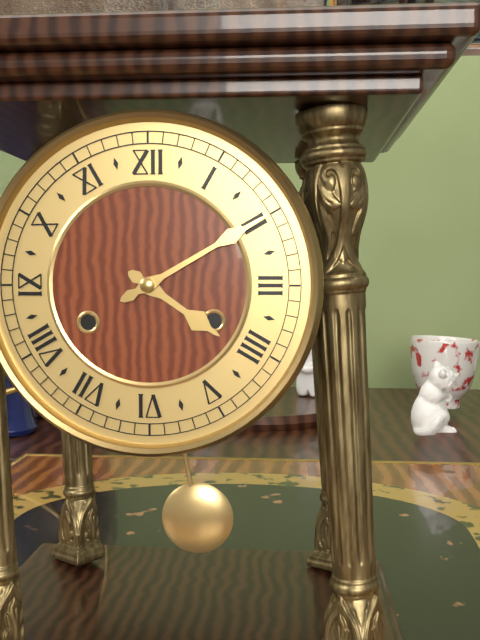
4:10
